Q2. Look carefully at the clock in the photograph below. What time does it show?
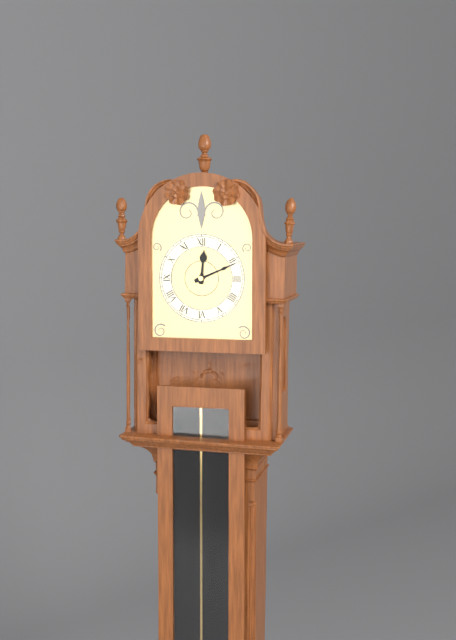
12:11
